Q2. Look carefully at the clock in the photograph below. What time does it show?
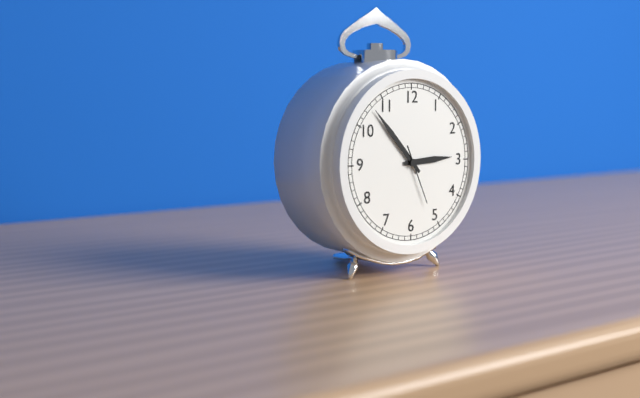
2:53:26
